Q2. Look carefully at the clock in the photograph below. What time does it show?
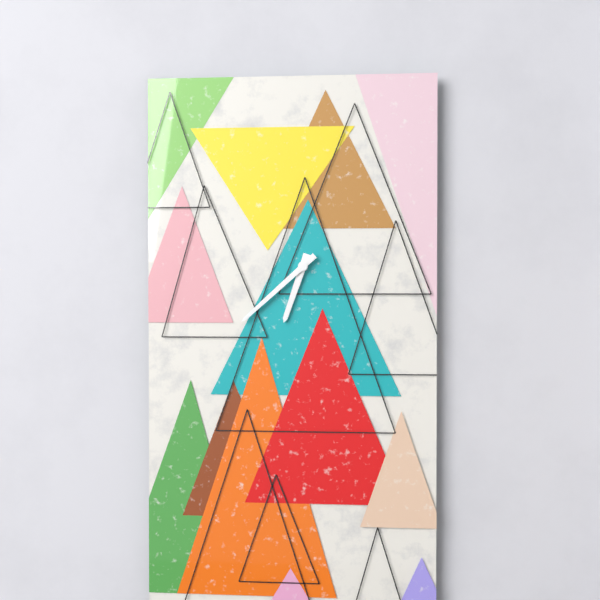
6:38
